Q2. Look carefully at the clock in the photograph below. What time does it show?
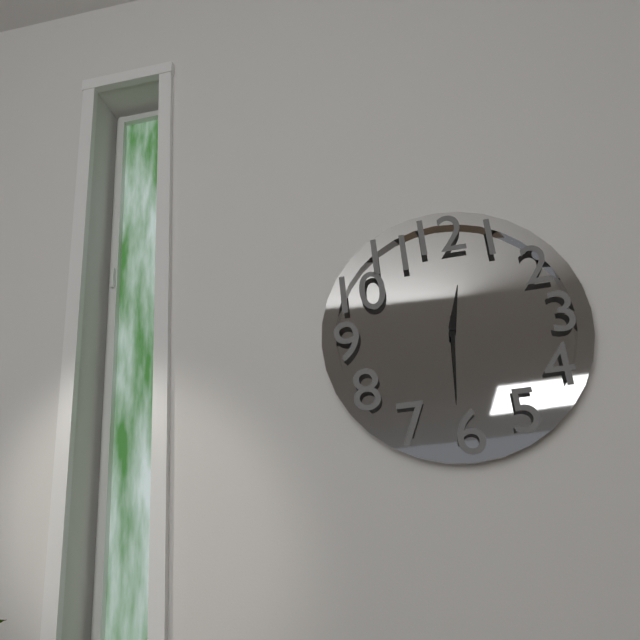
12:31
